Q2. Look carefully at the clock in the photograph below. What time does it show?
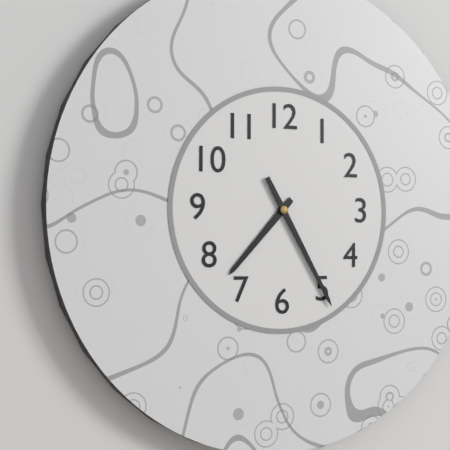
7:25
